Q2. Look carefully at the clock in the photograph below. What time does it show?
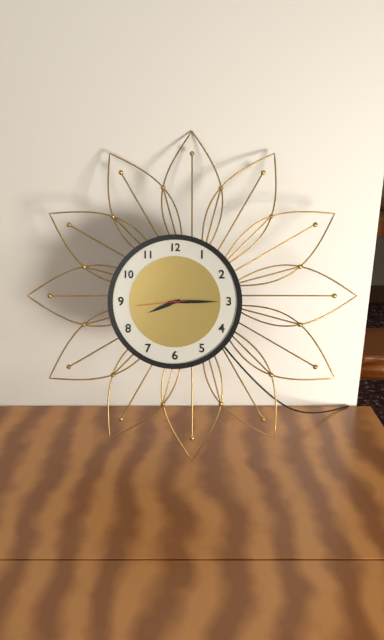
8:15:44
